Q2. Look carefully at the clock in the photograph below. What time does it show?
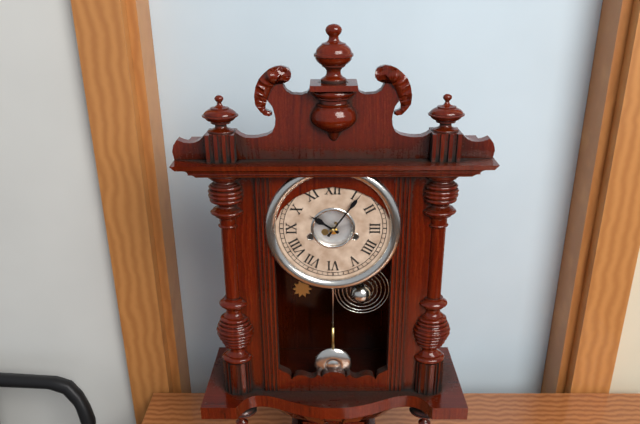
10:06
